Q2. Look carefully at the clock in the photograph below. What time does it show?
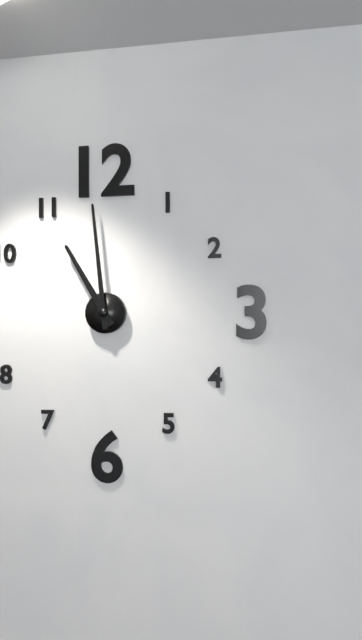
10:59
